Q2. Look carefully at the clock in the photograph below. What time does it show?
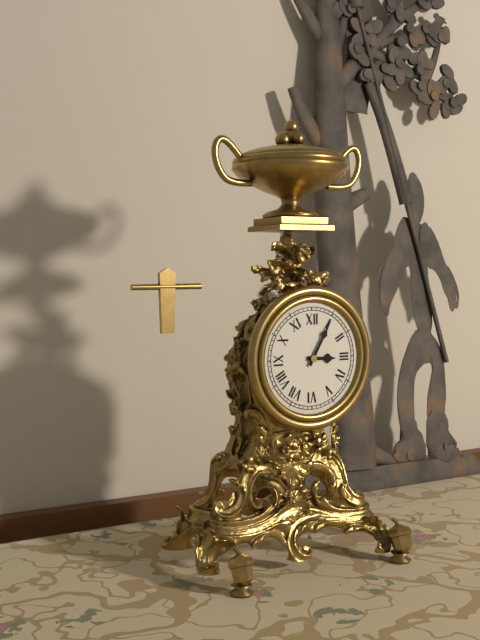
3:05
